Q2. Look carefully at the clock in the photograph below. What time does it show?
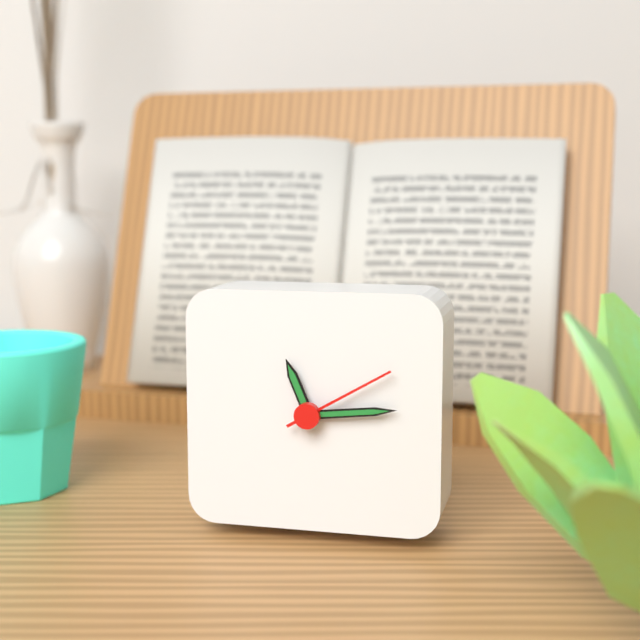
11:14:10
